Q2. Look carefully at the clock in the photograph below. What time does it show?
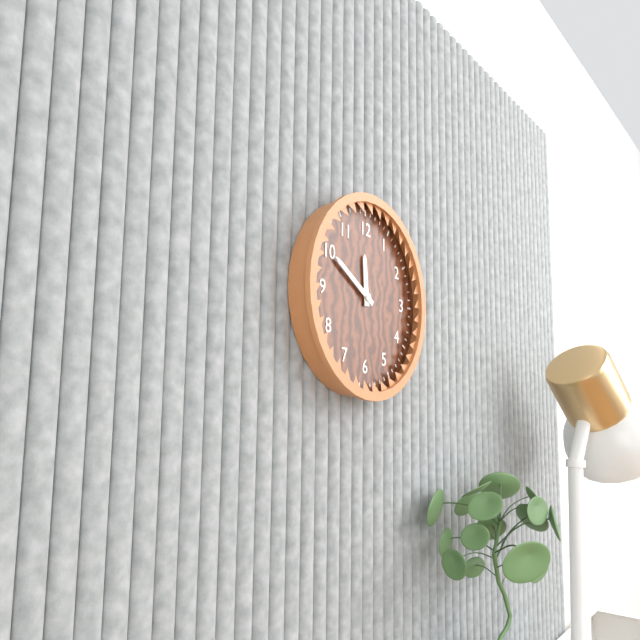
11:50
